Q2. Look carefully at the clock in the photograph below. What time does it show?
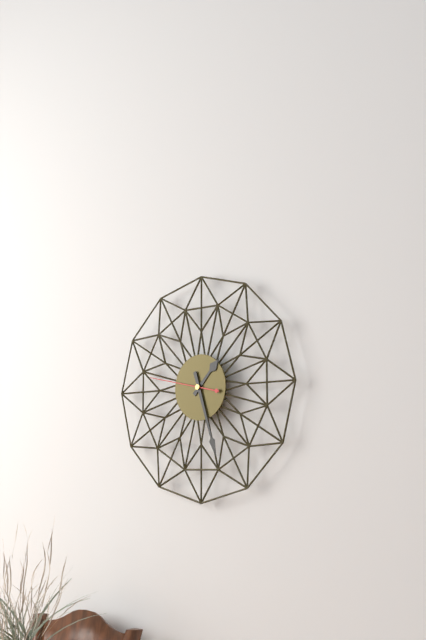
1:27:47
